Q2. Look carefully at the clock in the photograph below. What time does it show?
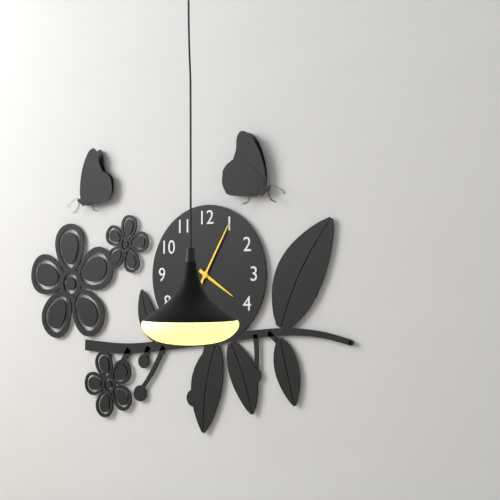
4:05
